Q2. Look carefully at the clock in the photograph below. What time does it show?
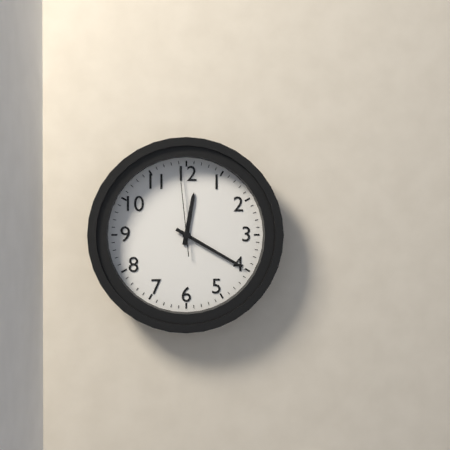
12:20:59
